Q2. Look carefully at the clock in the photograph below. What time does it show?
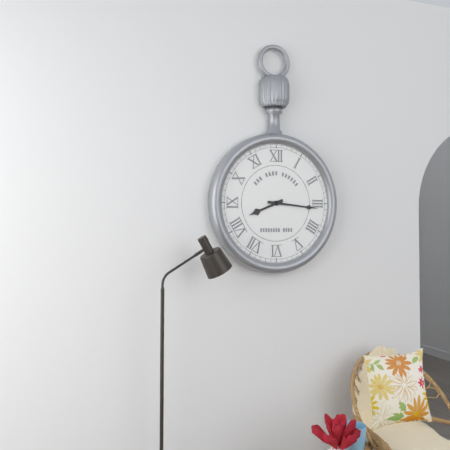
8:16
